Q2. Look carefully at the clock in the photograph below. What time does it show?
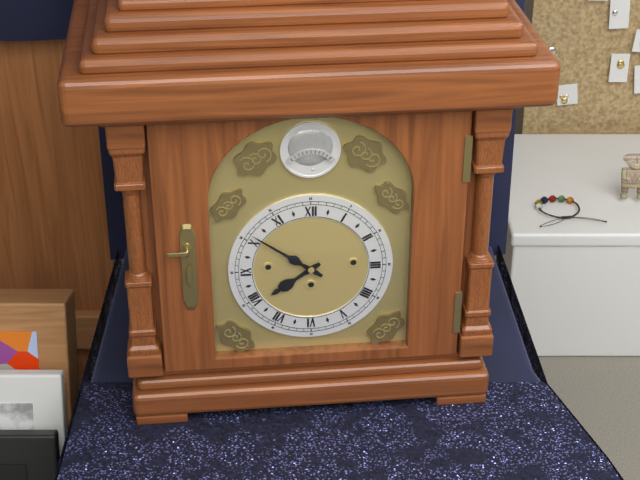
7:51
